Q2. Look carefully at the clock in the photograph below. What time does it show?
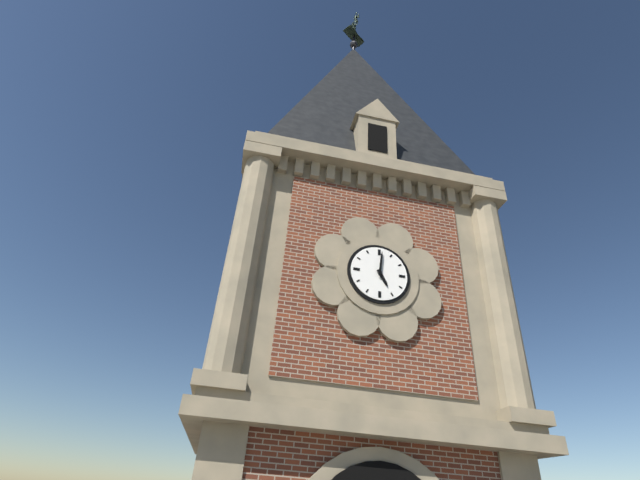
5:01
